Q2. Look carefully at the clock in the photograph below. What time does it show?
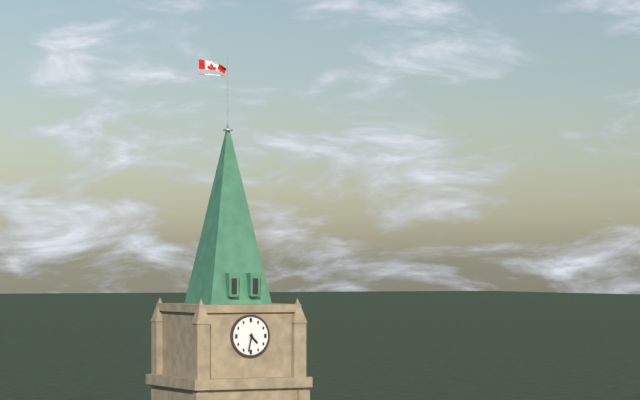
4:32
